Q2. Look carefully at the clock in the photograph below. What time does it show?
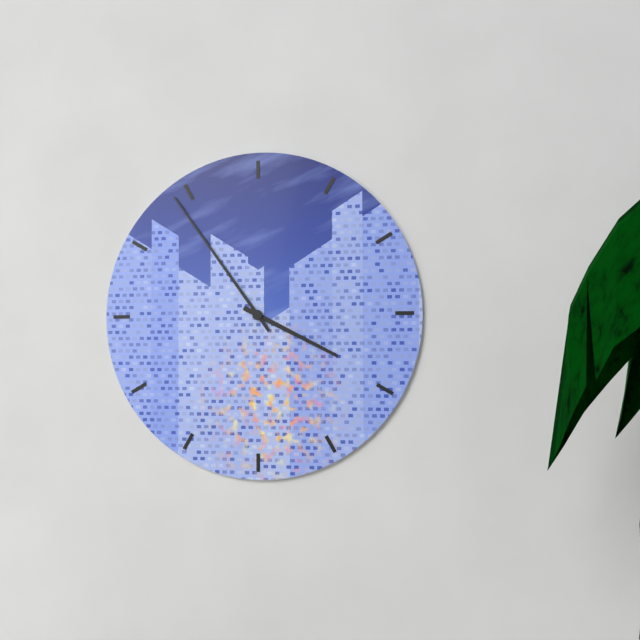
3:54
